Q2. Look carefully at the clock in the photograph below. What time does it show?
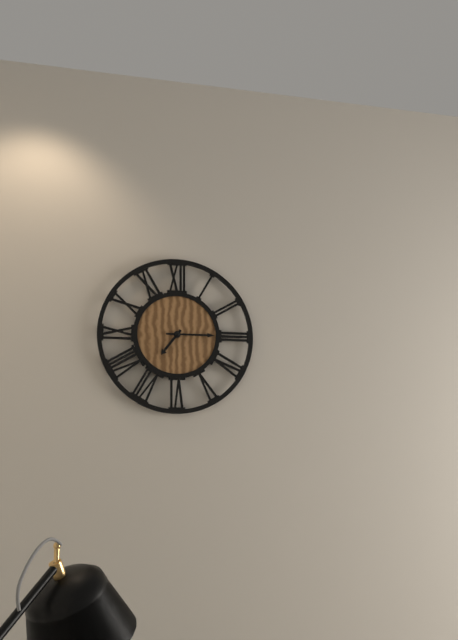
7:15
